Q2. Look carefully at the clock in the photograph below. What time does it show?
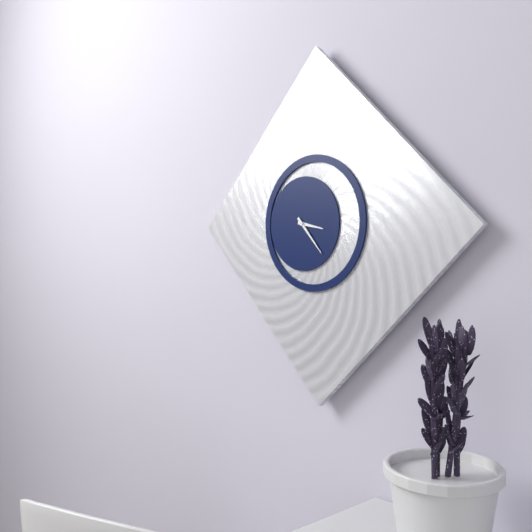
3:23
